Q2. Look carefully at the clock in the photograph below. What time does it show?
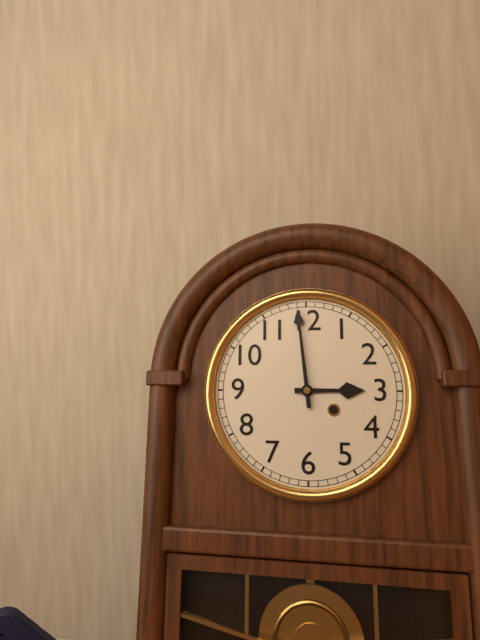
2:59
